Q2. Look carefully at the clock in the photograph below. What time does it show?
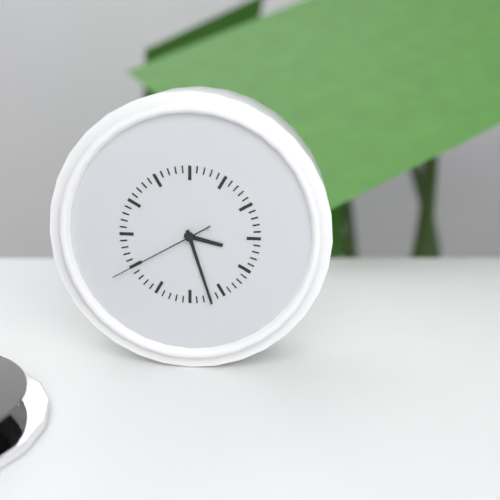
3:27:40
